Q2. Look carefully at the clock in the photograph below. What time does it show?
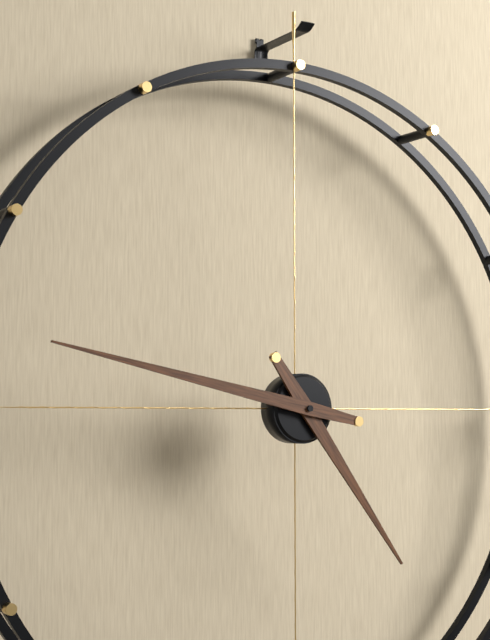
4:47
